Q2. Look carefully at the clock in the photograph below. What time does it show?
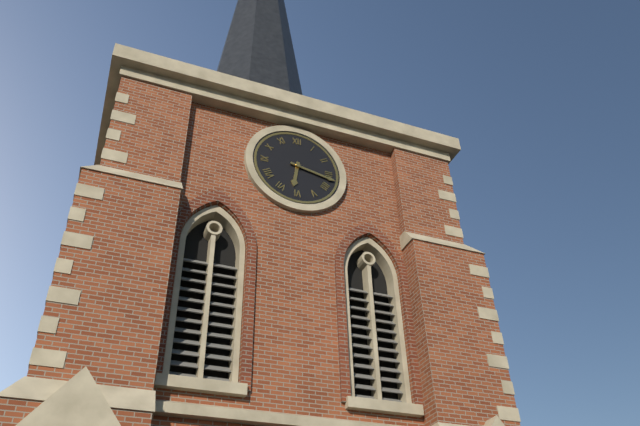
6:17
